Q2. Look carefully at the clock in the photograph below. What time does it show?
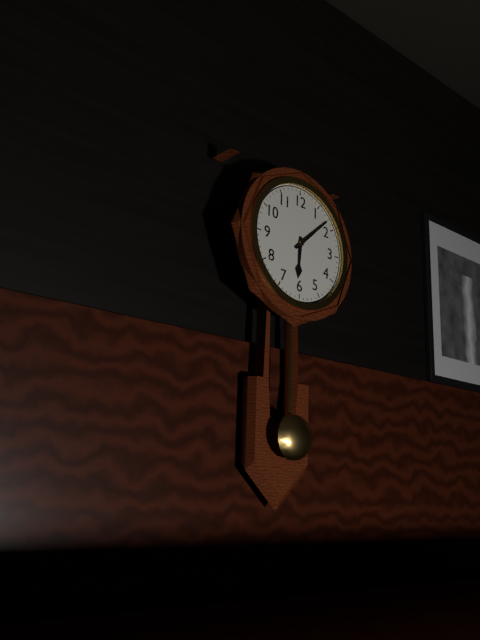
6:08
